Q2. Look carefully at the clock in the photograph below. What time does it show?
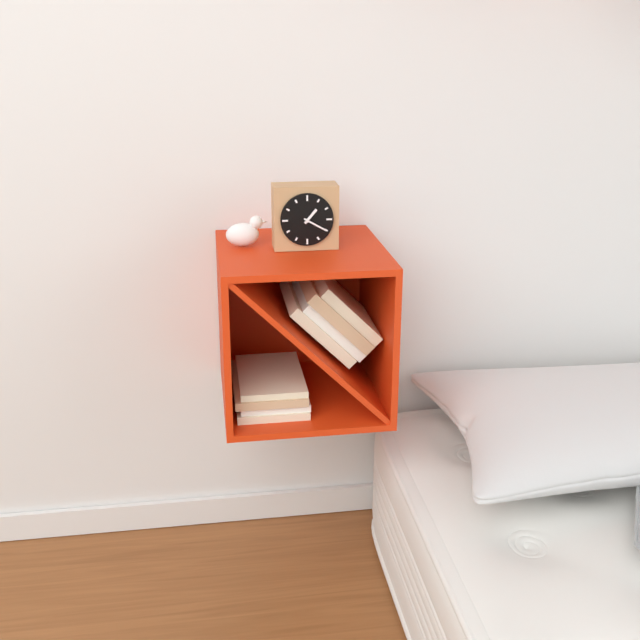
1:20
